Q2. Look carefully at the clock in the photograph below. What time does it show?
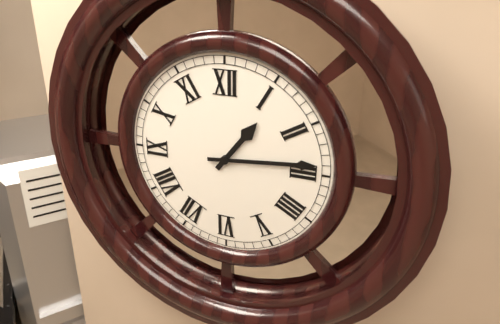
1:14
